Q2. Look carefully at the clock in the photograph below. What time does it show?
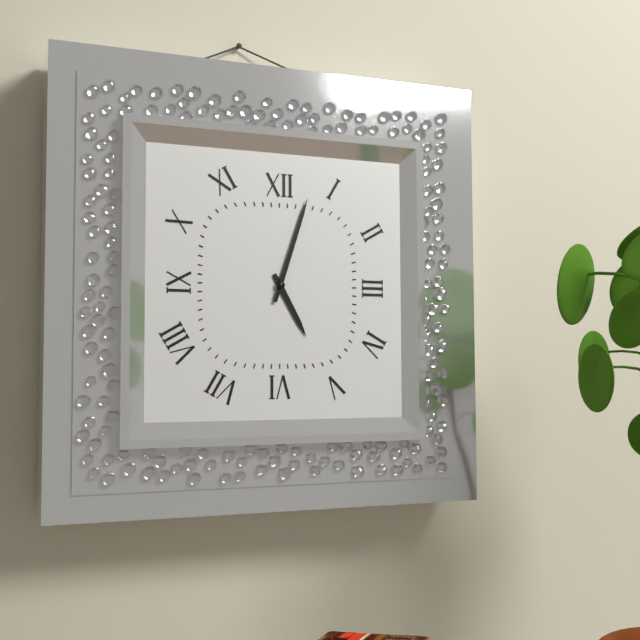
5:03
